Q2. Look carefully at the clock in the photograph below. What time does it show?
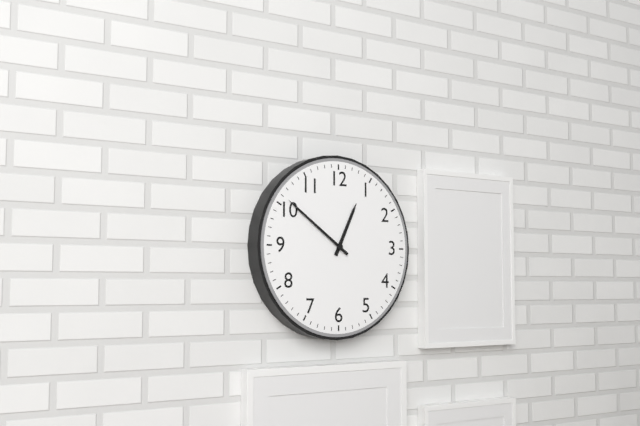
12:51
